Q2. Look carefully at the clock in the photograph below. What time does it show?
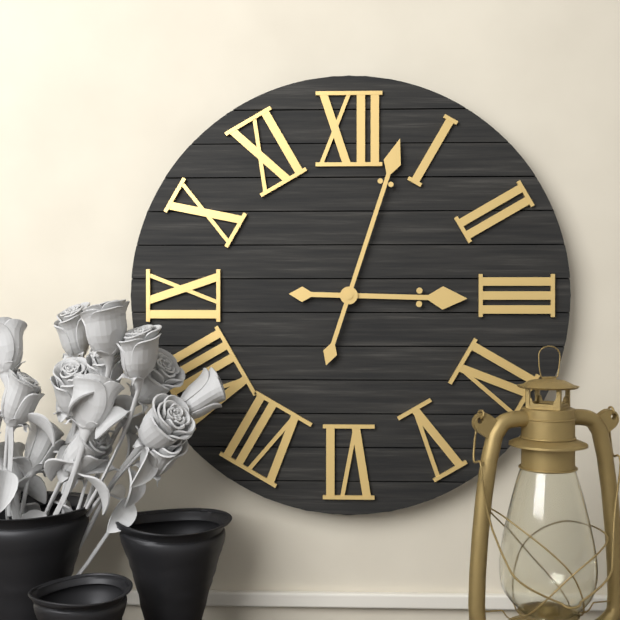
3:03
